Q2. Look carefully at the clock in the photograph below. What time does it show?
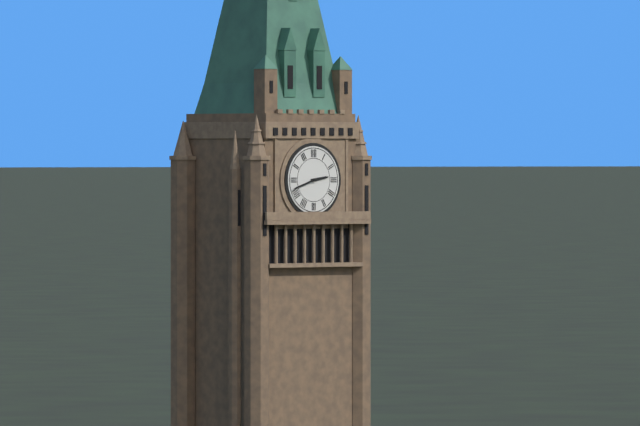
2:42
